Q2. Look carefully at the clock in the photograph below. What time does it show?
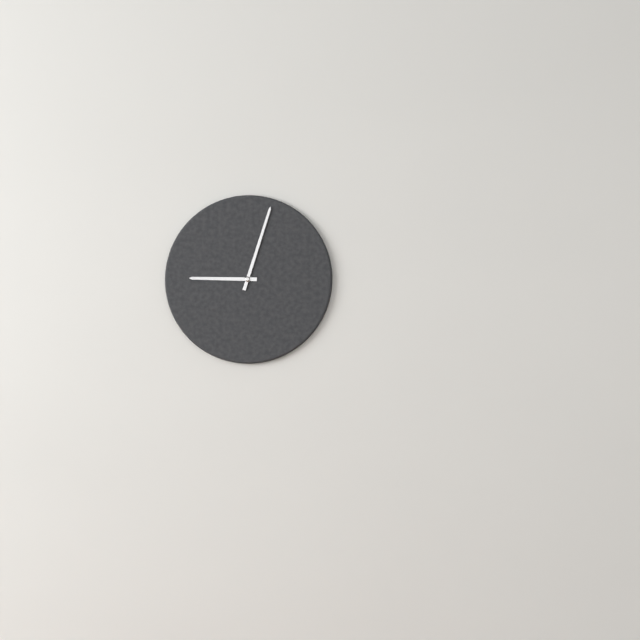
9:03
